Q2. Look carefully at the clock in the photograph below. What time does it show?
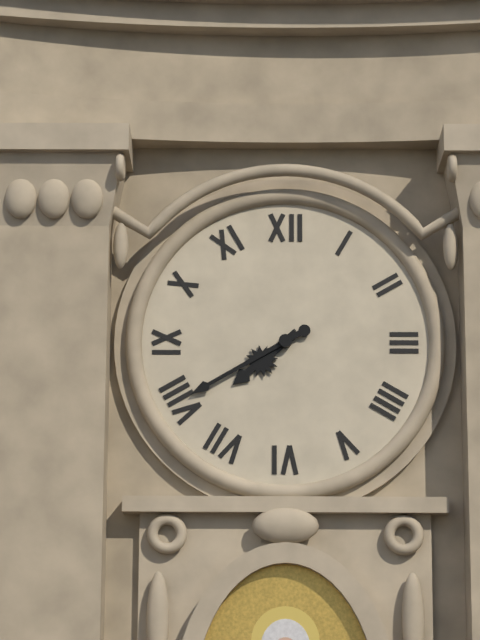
7:40
